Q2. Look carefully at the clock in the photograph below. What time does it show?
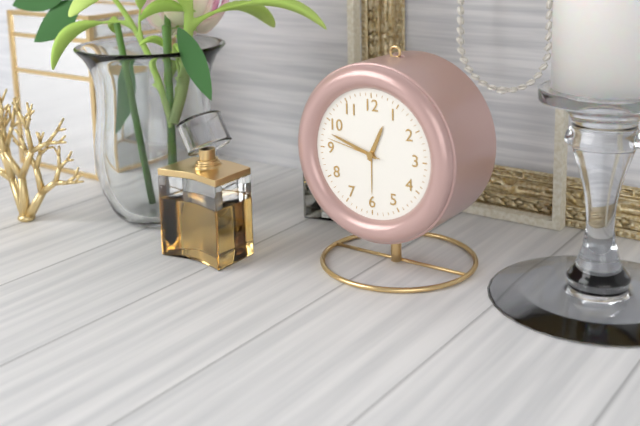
12:48:47
